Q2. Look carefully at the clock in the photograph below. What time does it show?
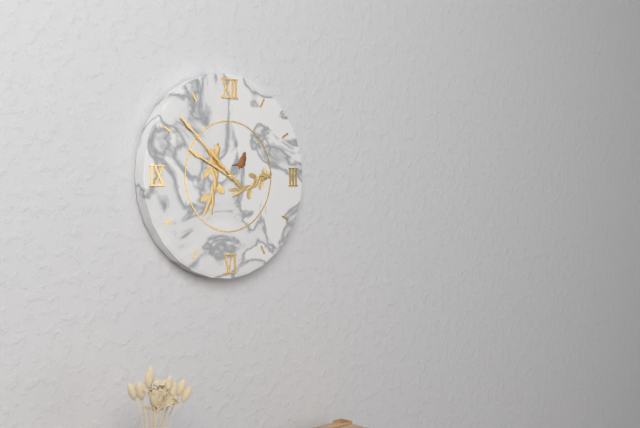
9:52
